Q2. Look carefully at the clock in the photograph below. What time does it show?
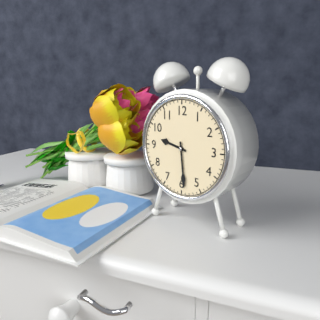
9:29
